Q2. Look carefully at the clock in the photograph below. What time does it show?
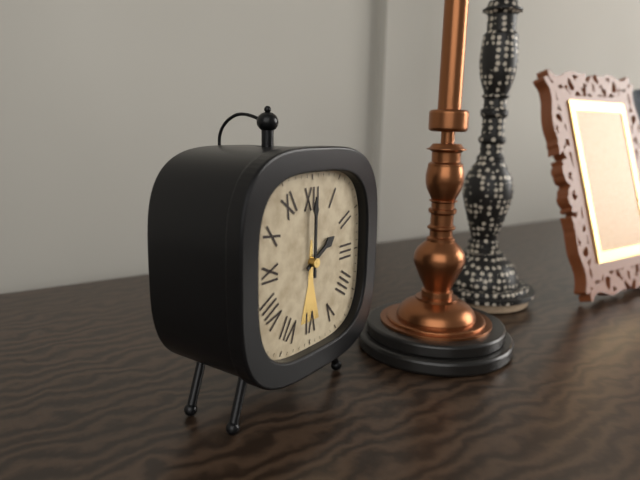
2:00
